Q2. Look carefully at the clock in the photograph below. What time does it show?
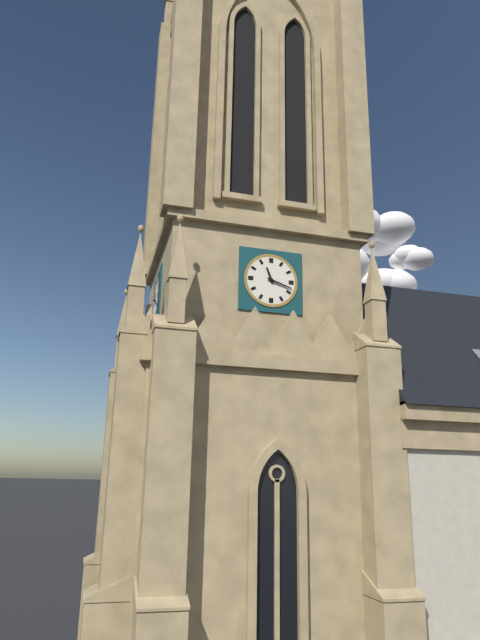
11:18
